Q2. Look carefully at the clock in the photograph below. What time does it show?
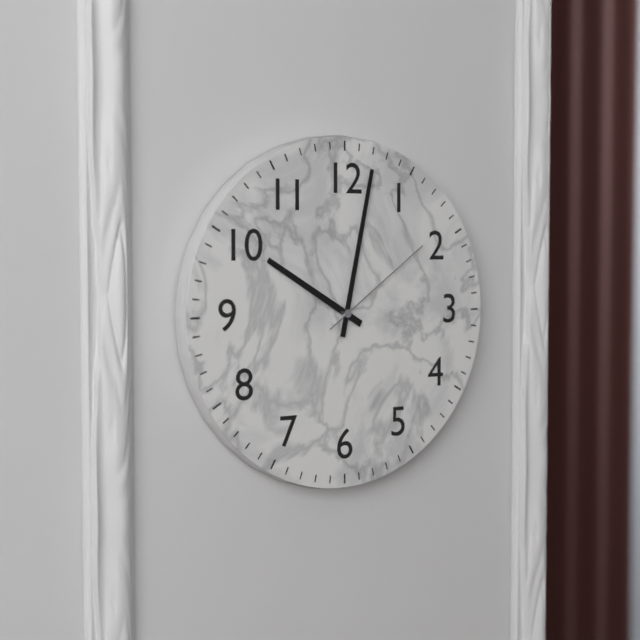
10:02:09
